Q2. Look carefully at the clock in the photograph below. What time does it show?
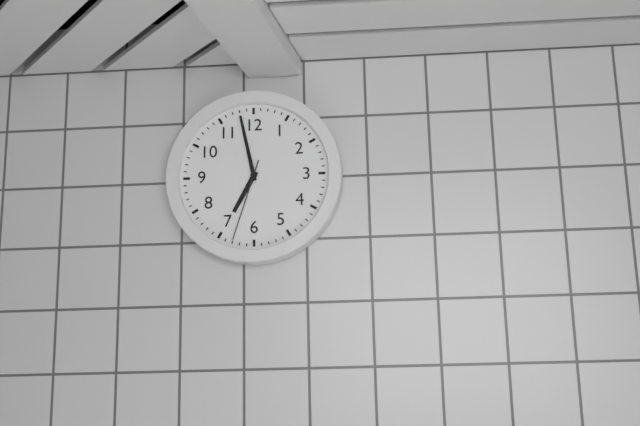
6:58:33
